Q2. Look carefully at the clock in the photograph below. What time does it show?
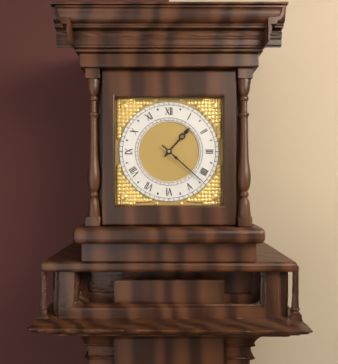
1:22
